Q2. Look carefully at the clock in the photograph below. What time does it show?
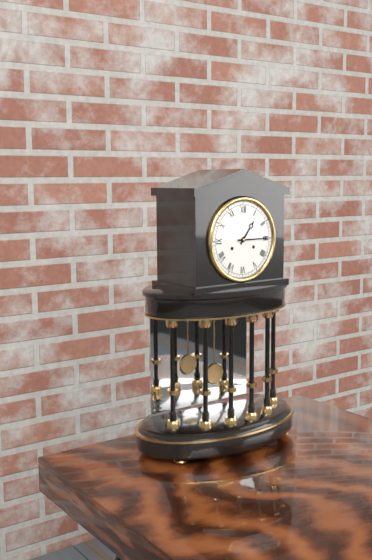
1:15
